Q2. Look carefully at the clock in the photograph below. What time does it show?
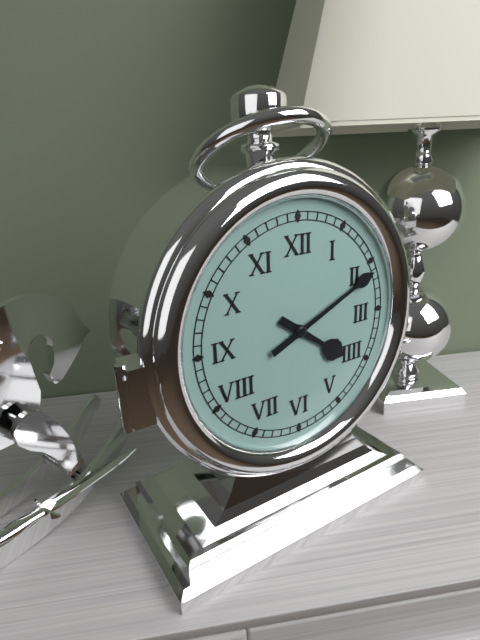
4:11
